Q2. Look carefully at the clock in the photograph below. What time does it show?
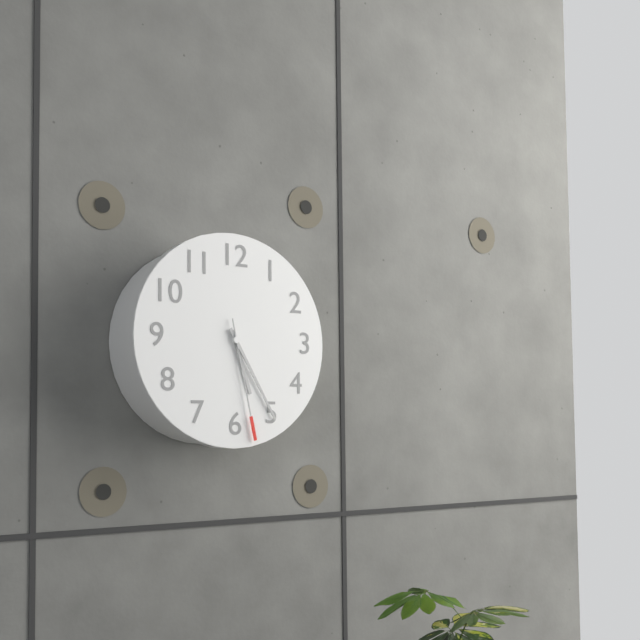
5:25:28
